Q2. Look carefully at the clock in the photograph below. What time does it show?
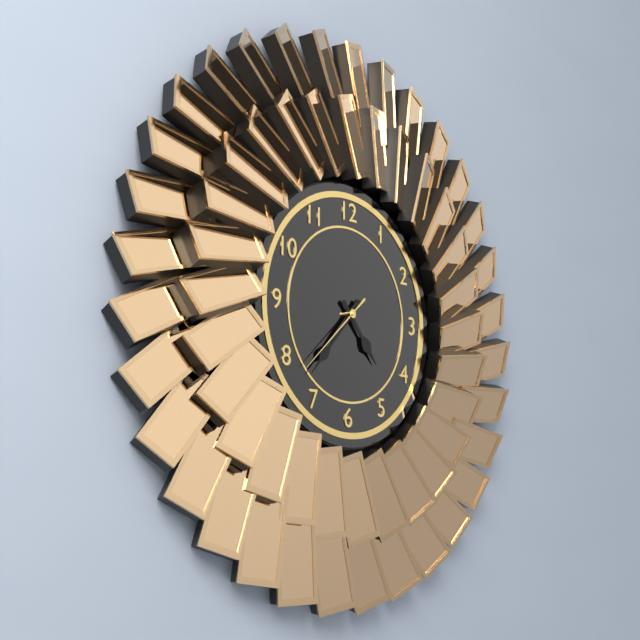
4:37:38
